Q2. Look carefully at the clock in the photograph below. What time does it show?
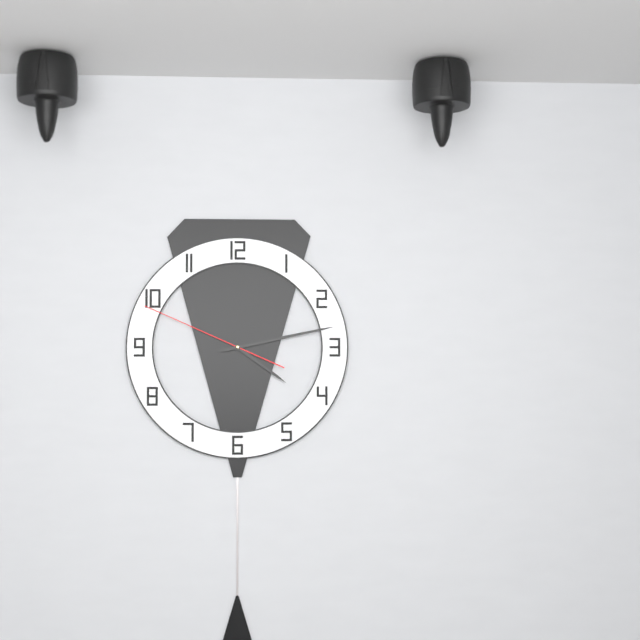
4:13:49
